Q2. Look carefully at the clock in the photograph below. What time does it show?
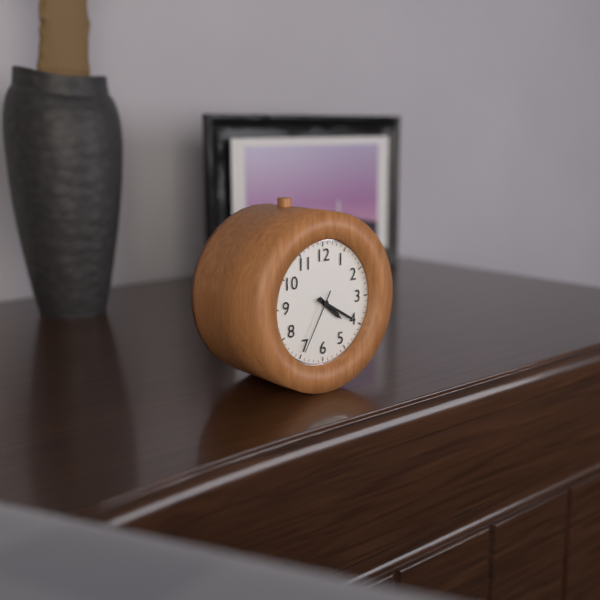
4:20:35
